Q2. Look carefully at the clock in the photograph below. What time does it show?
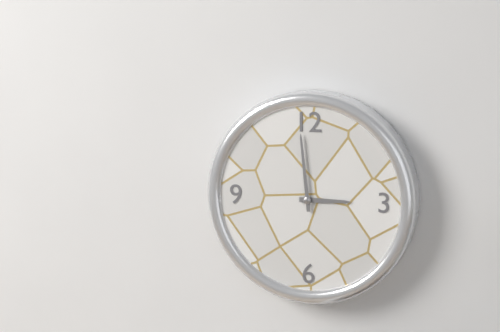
2:59
